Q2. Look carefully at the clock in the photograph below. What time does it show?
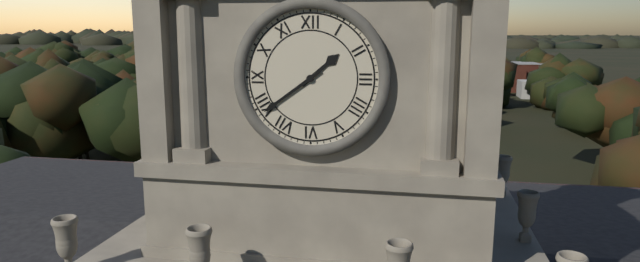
1:39
